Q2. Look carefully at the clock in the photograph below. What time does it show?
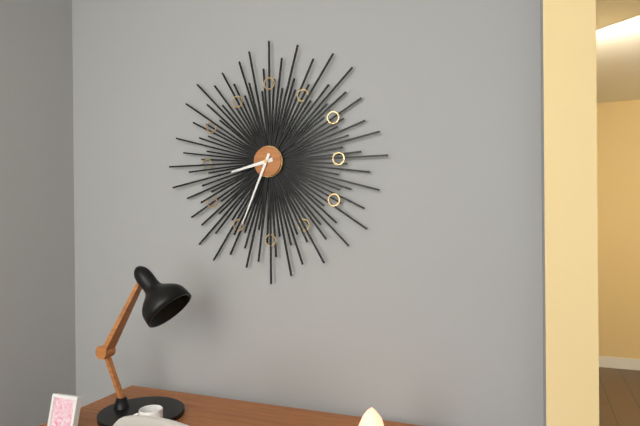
8:34
